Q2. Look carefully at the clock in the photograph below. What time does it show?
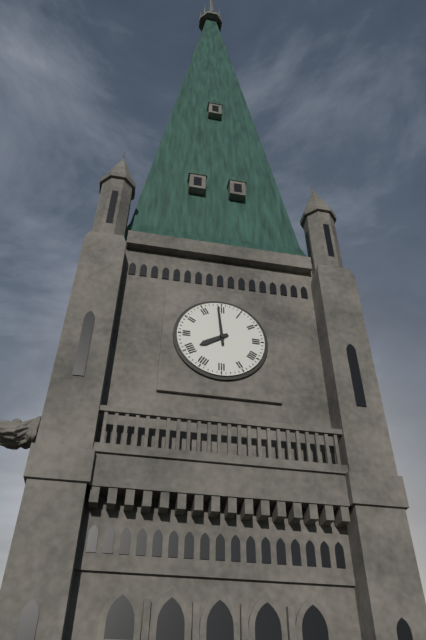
7:59
